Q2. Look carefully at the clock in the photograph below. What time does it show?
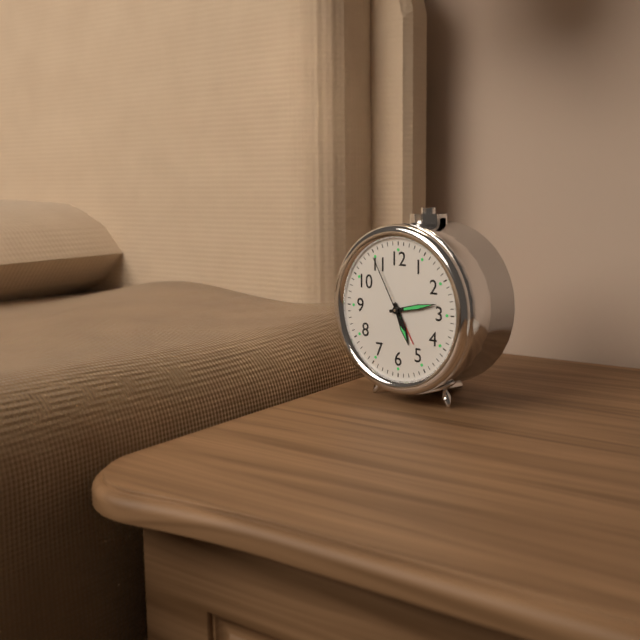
5:13:55
